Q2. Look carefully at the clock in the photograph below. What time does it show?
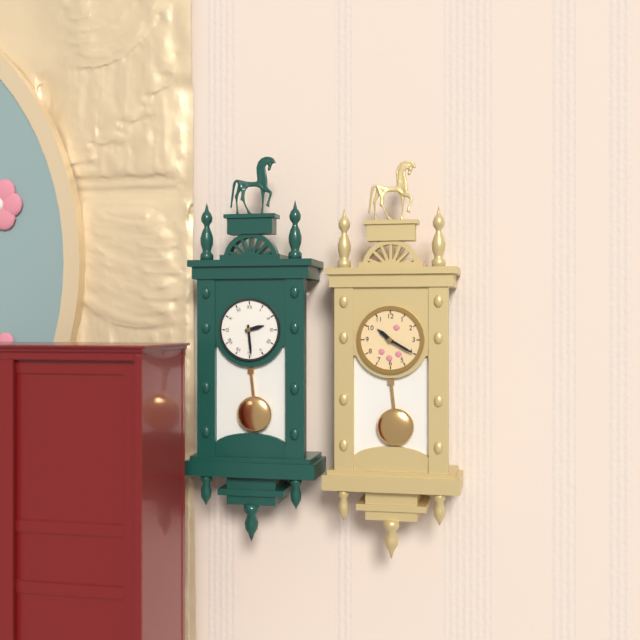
2:29
